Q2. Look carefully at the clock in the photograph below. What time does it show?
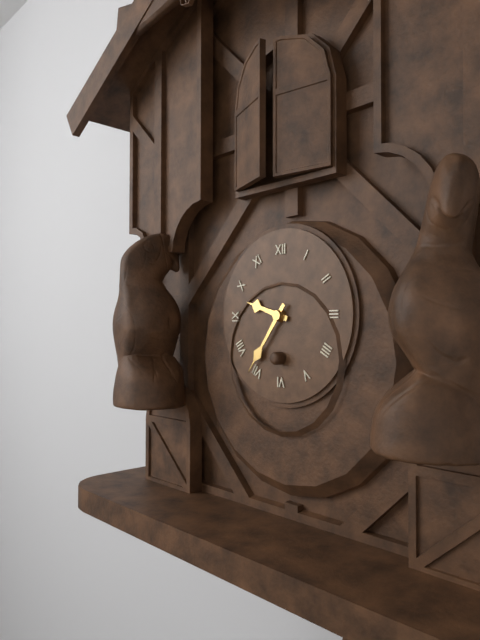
9:36
